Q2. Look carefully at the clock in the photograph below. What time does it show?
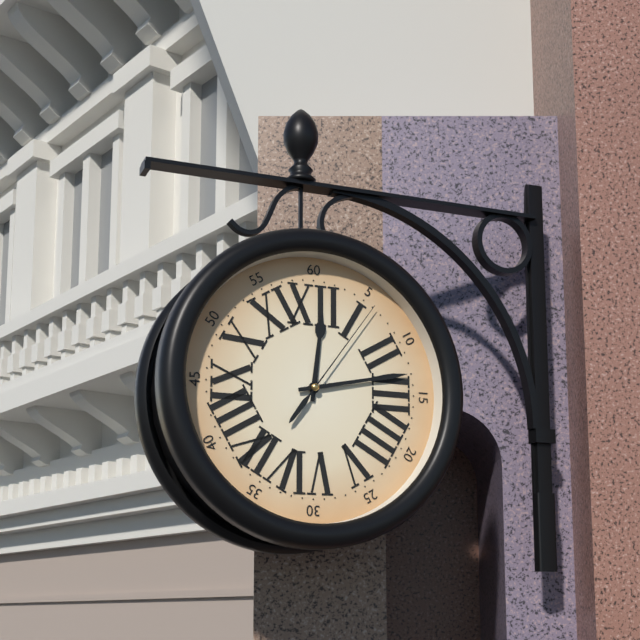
12:13:06
